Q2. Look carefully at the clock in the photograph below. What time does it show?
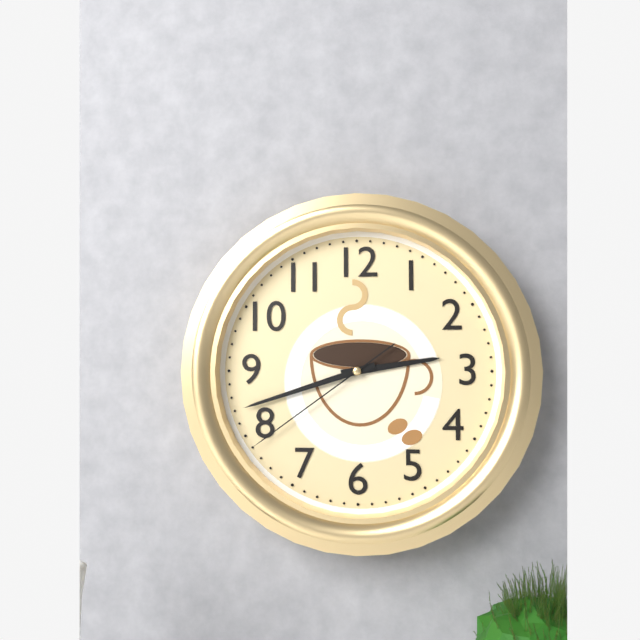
2:42:39
